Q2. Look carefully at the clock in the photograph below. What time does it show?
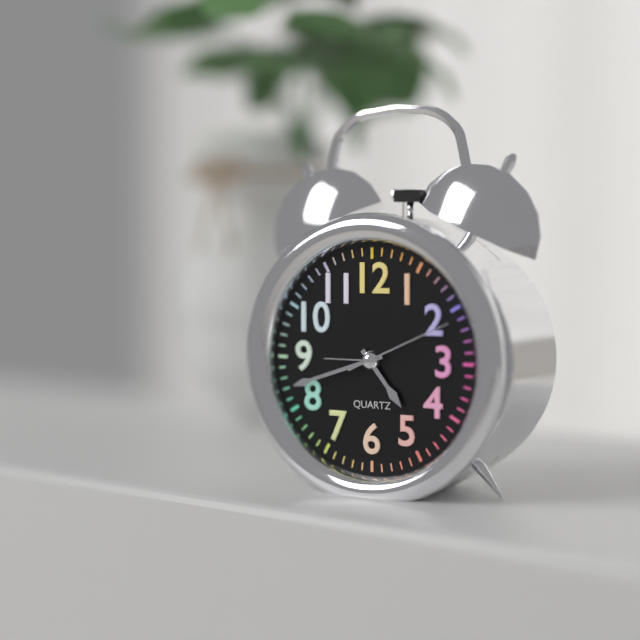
4:42:11
